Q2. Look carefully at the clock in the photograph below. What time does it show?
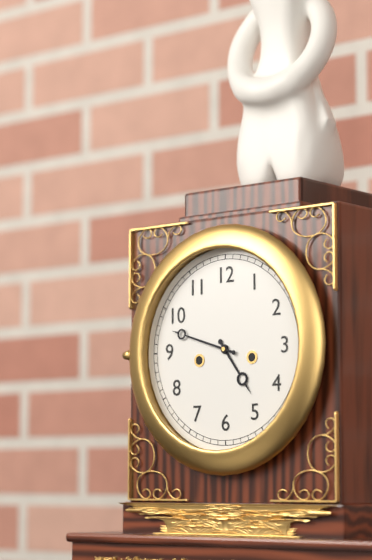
4:48
